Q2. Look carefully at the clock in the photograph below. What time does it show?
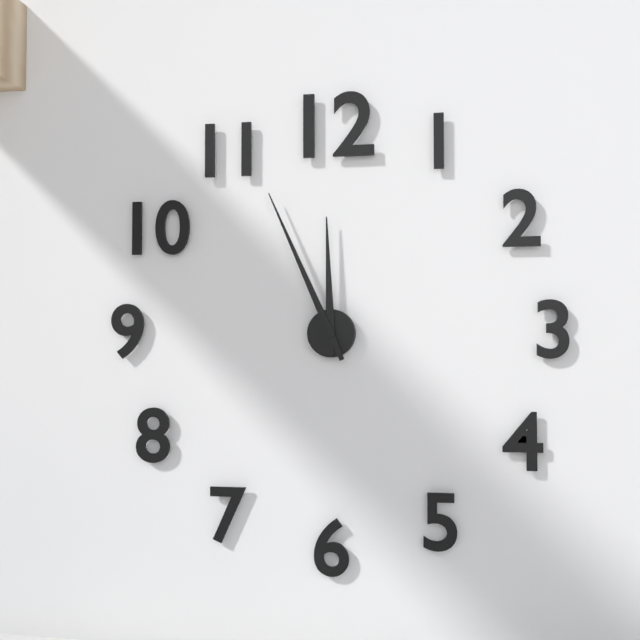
11:56
